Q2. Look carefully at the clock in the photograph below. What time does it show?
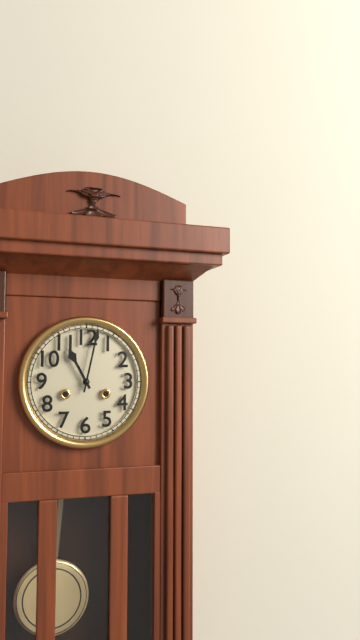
11:02
